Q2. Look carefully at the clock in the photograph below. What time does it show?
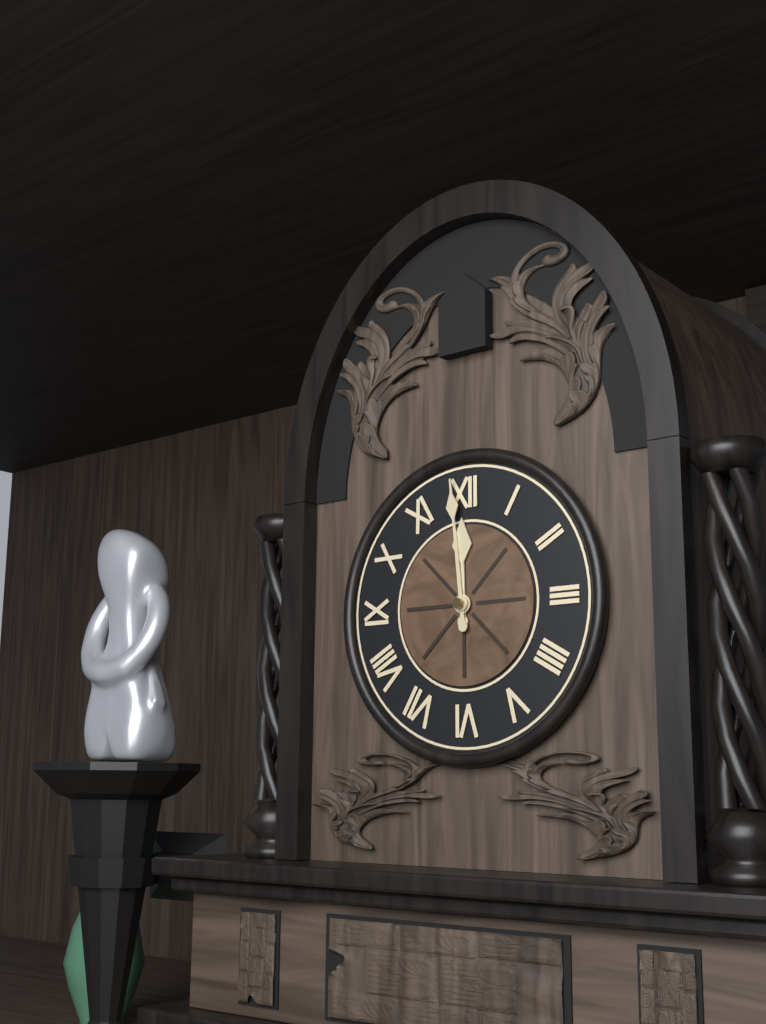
11:59
